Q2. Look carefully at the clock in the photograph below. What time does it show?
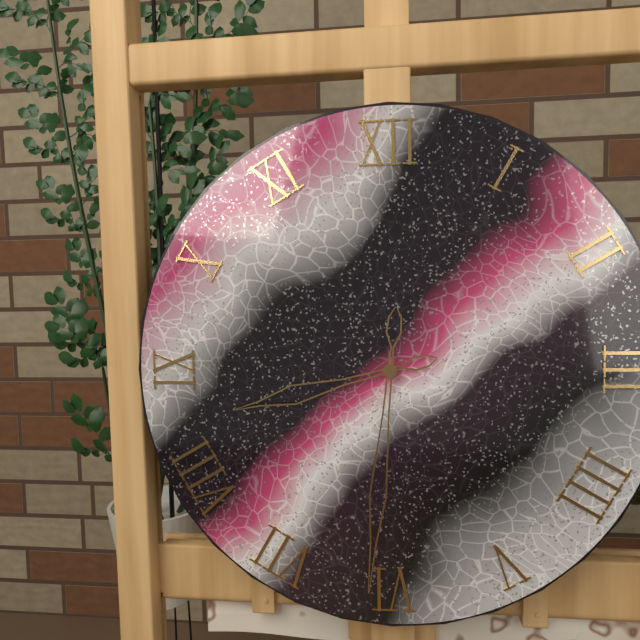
8:31
